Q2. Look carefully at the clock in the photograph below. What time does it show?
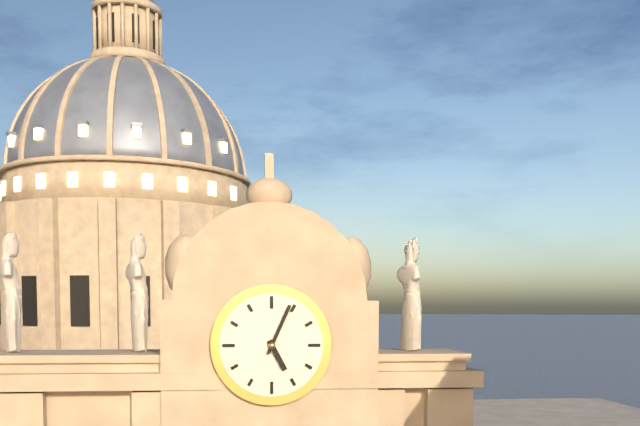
5:04
